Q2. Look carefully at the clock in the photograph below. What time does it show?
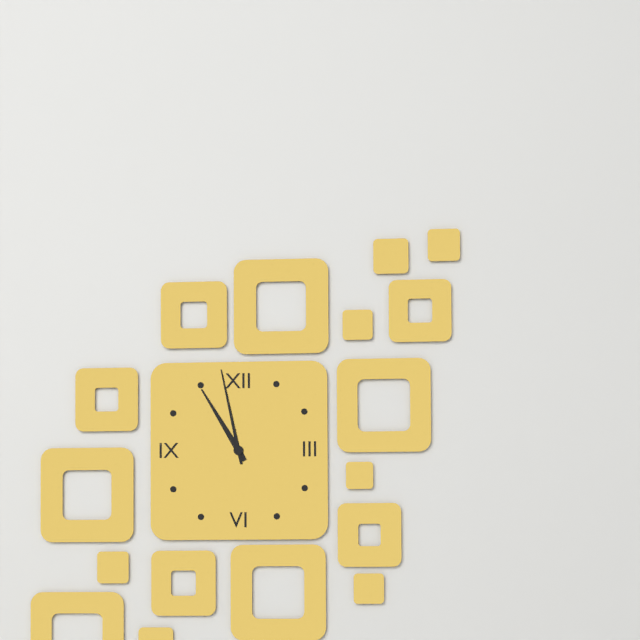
10:58
